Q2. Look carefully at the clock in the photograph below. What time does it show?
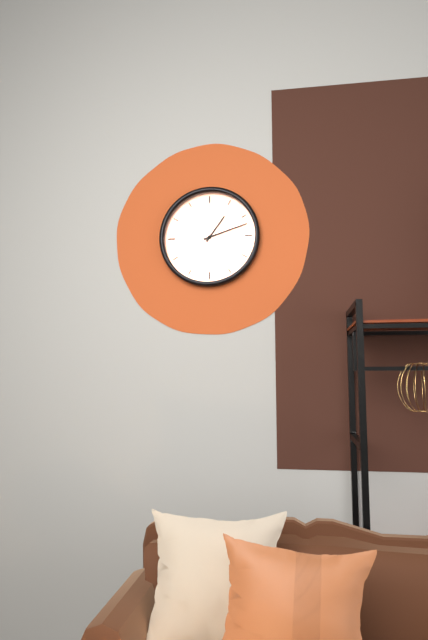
1:12
